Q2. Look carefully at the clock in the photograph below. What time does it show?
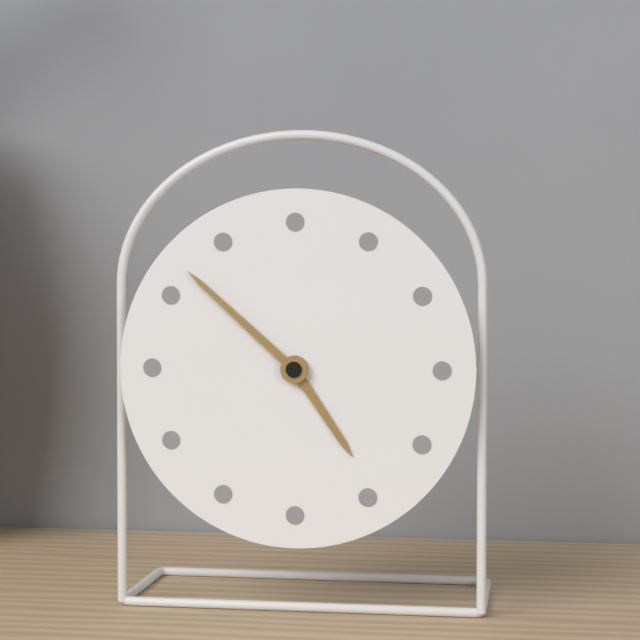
4:52
